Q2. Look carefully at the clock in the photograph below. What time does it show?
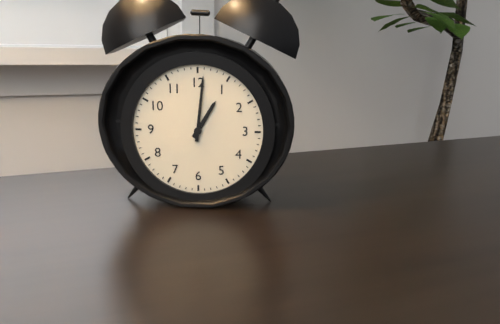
1:01
